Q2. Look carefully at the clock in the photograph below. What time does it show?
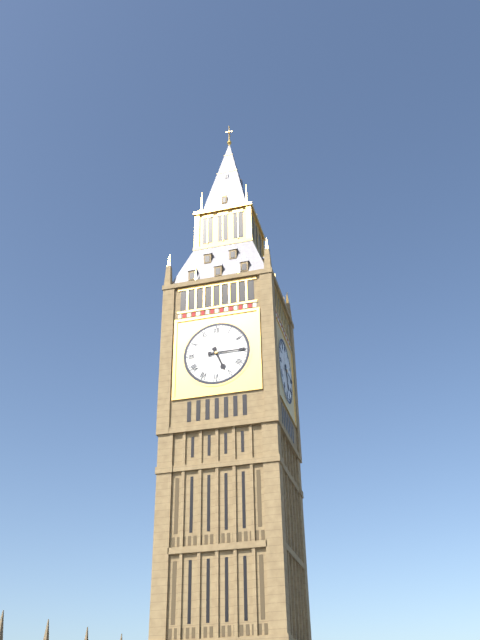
5:15
